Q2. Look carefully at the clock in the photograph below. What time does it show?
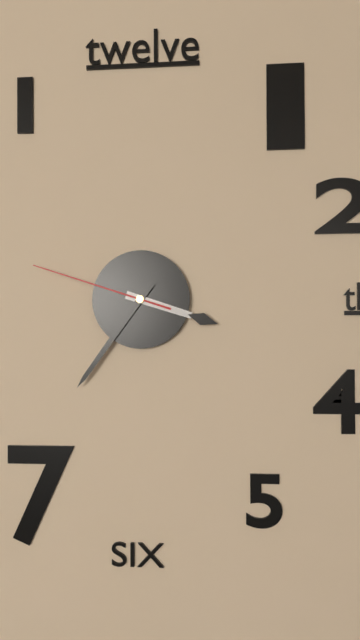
3:36:48
